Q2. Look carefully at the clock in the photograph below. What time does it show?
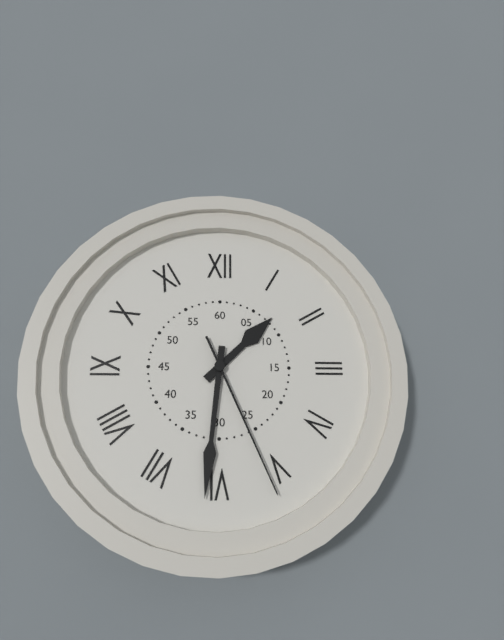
1:31:26
